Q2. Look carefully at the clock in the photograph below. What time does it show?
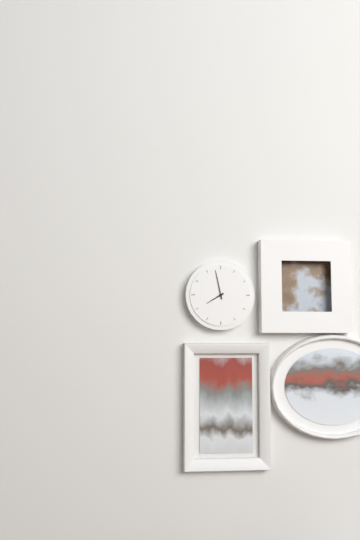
7:58
